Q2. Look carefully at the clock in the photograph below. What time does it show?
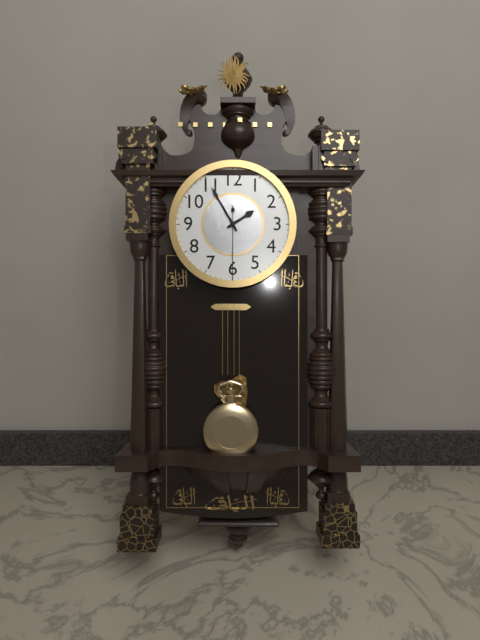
1:55:30
